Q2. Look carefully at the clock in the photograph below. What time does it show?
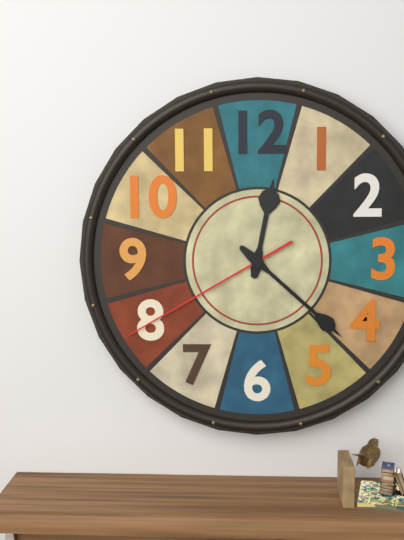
12:22:40
